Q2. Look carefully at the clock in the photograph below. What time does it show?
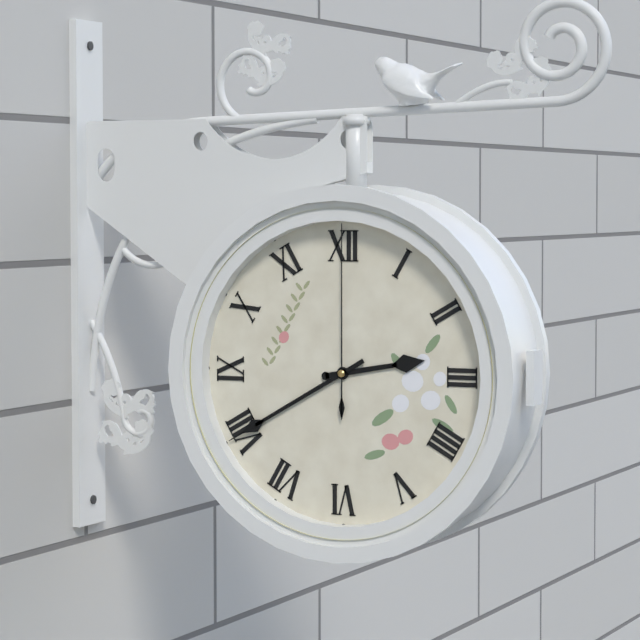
2:40:00
